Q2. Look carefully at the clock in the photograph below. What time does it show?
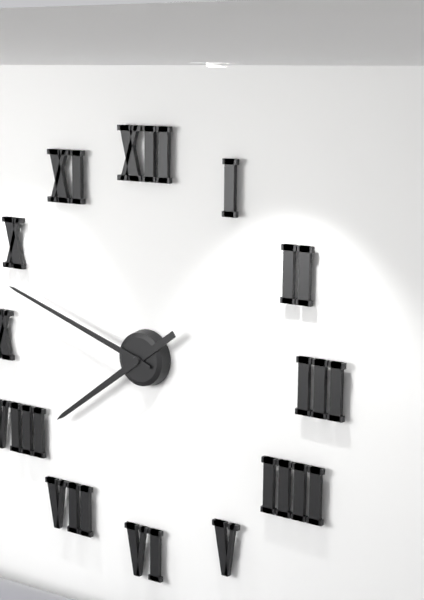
7:48
